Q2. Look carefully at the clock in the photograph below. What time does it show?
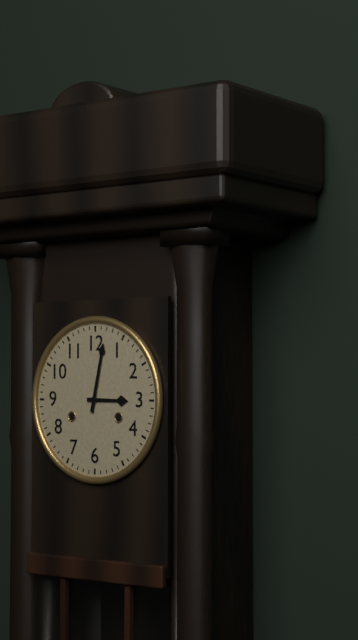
3:02
